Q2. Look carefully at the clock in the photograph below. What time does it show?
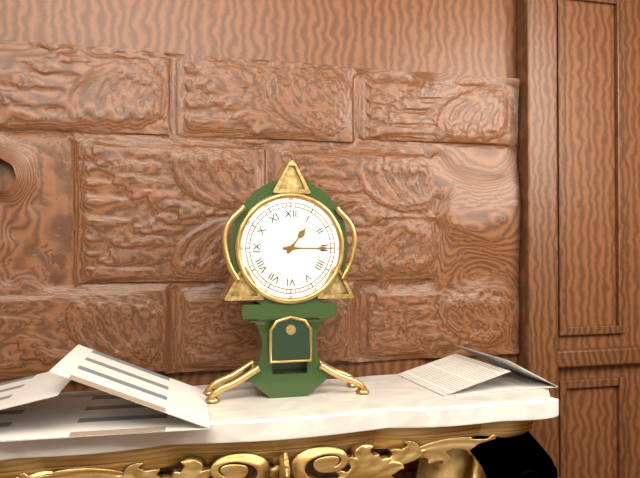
1:15
